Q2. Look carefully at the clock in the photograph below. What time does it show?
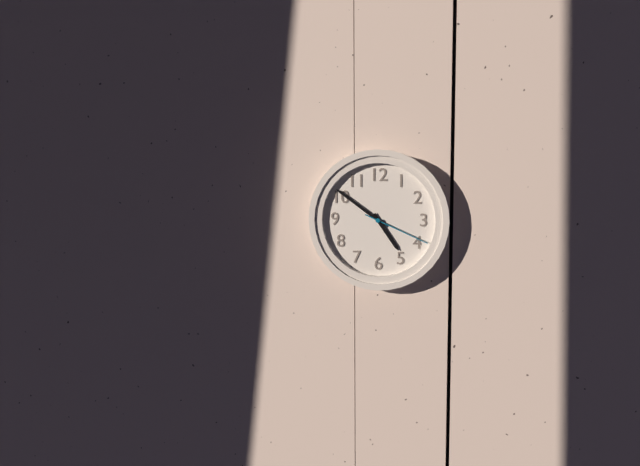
4:51:19
